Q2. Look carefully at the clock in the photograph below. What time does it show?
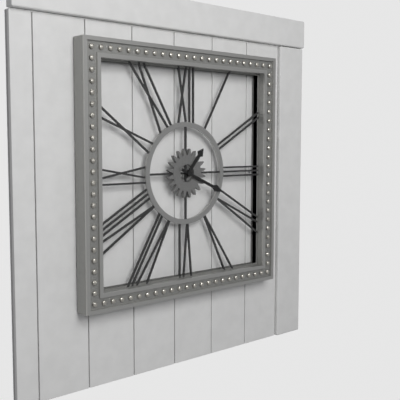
1:19
